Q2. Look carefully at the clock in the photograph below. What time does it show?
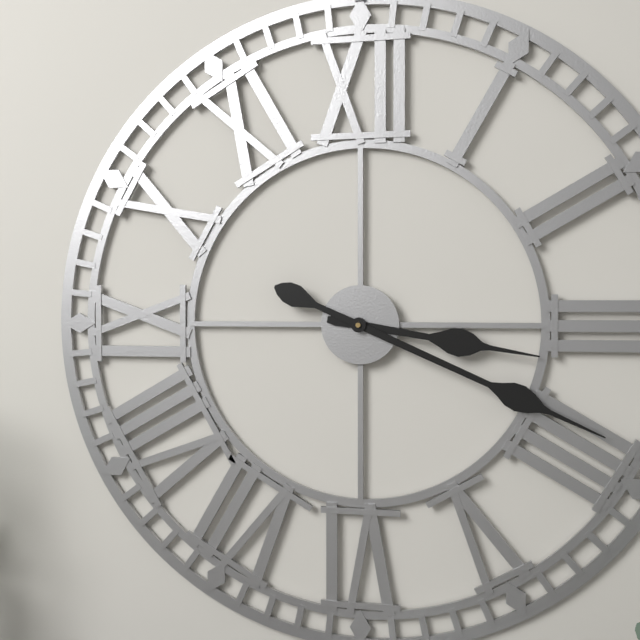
3:19
